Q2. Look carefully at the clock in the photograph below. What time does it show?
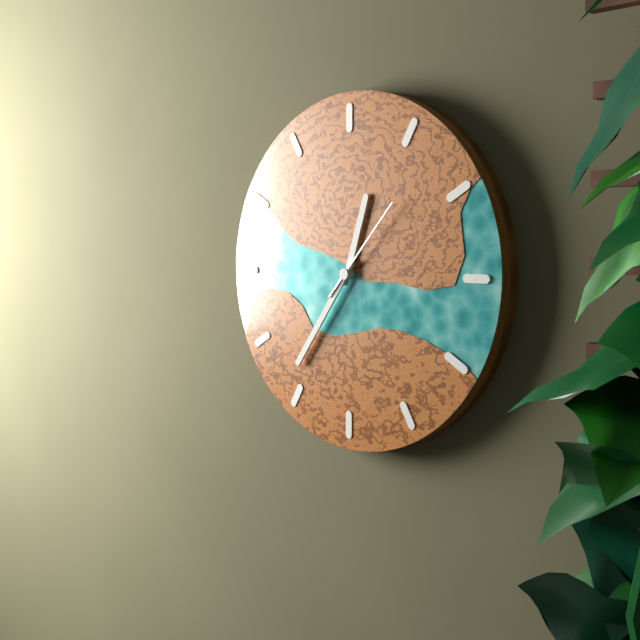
12:36:07
